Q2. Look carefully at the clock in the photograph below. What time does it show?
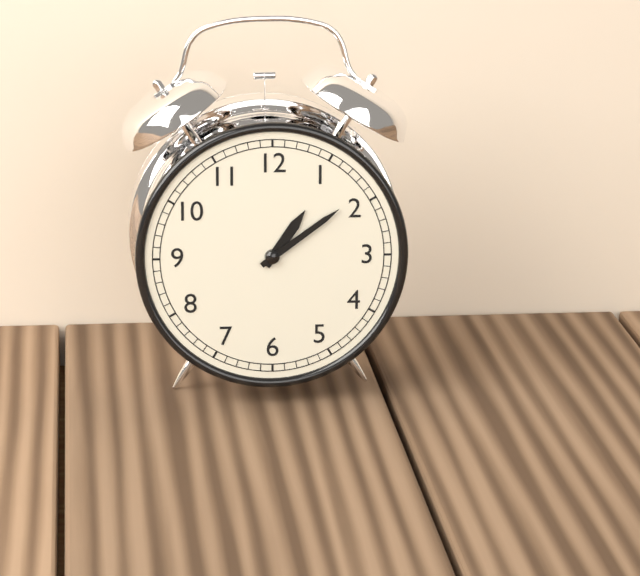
1:09
